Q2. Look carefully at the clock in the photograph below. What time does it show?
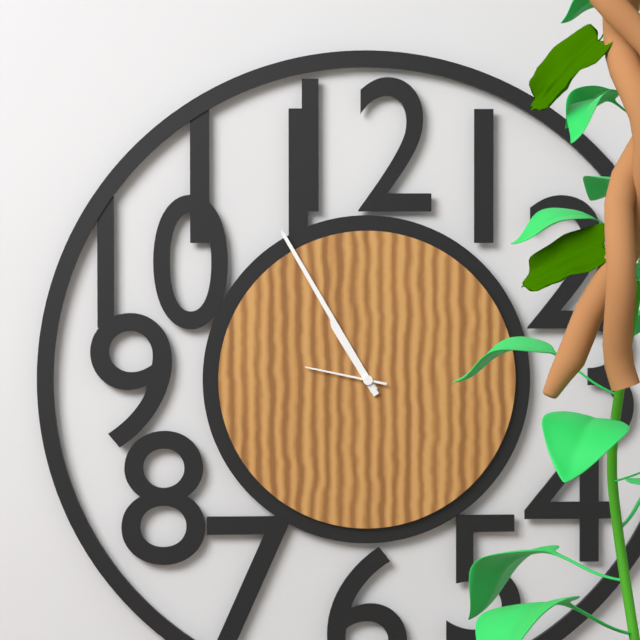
10:55:47
